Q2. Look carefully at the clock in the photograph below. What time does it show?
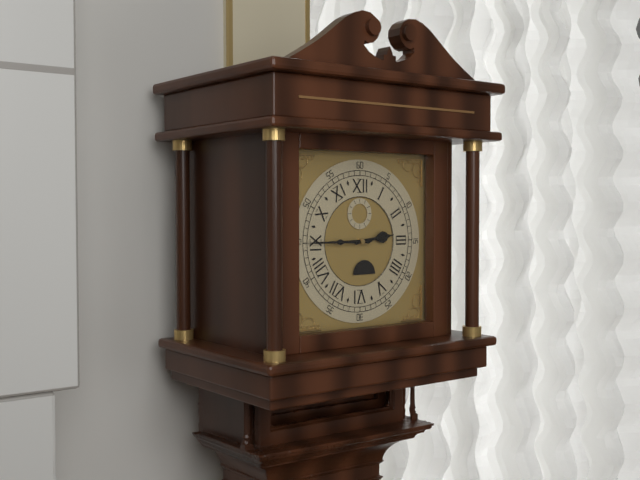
2:45
